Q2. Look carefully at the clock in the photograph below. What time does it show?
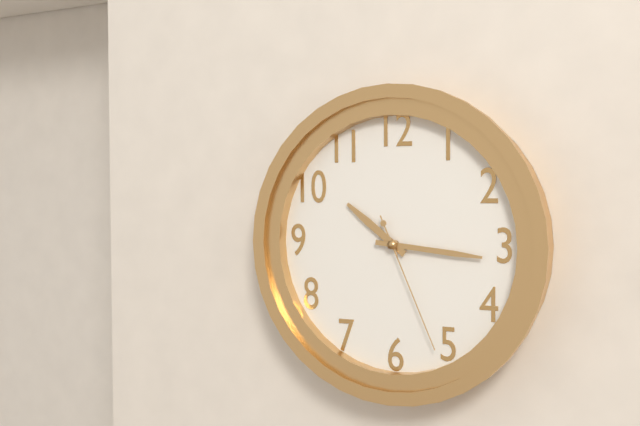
10:16:26
